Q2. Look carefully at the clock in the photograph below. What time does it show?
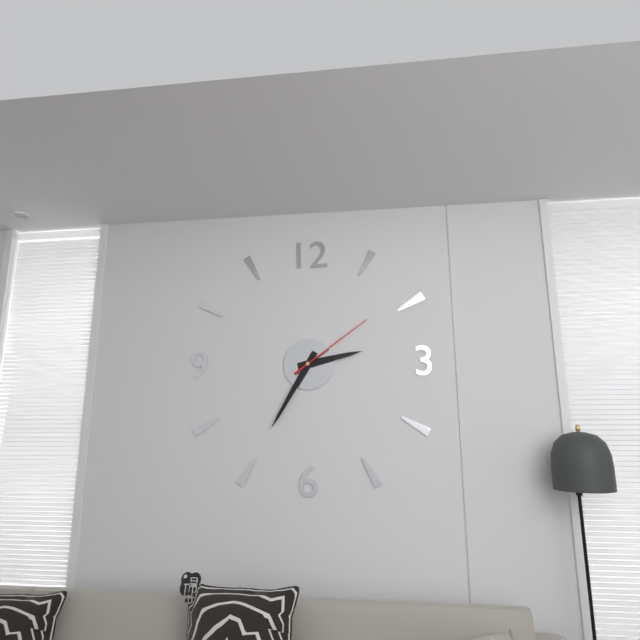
2:35:09
